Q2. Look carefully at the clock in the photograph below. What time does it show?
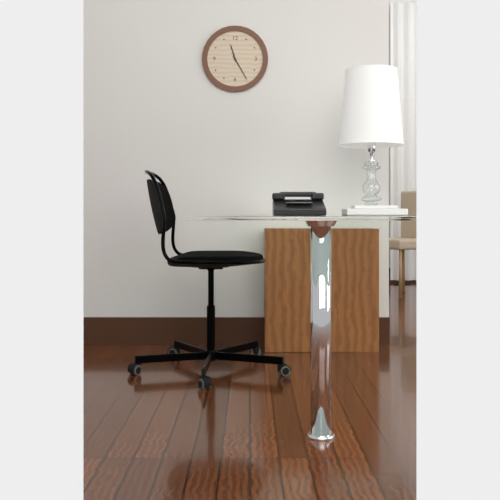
11:25
